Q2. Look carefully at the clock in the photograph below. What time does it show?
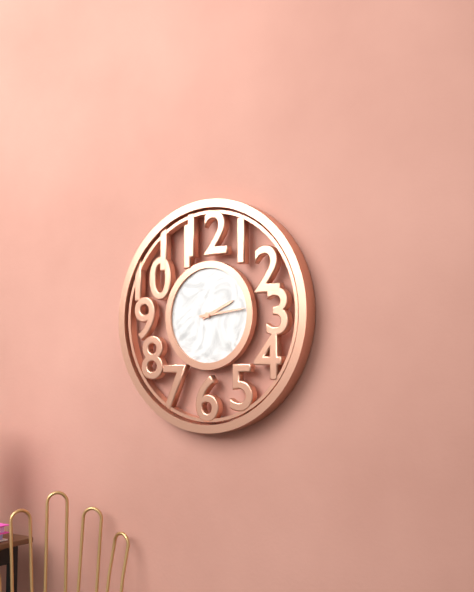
2:14
